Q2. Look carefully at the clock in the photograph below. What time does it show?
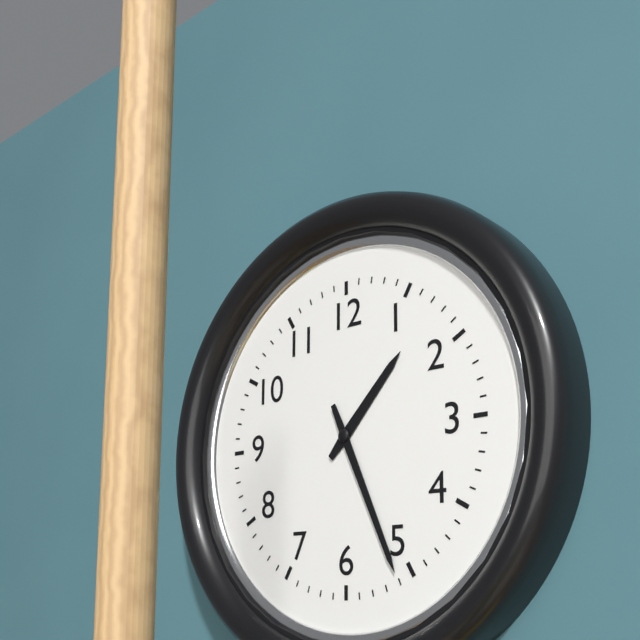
1:26
